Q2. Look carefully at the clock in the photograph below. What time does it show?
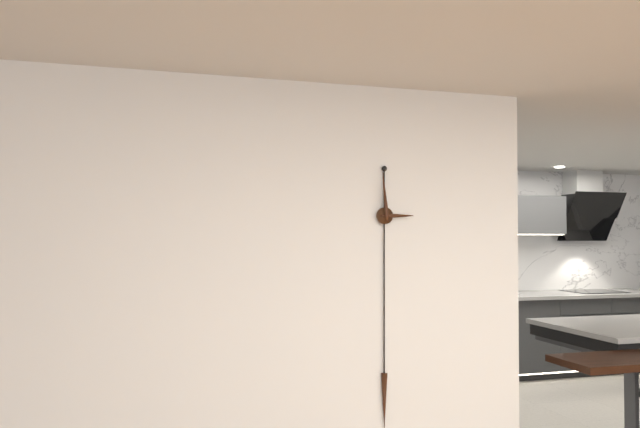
2:59
